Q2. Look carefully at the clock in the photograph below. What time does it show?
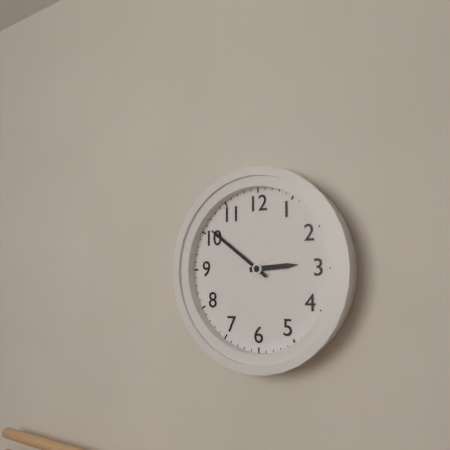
2:51
